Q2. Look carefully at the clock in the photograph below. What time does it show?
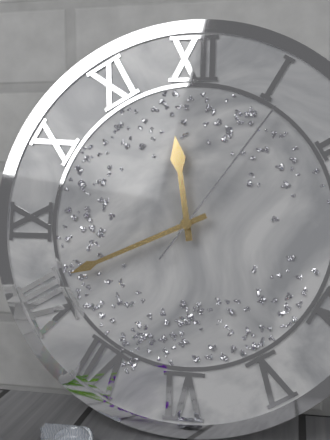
11:41:06
